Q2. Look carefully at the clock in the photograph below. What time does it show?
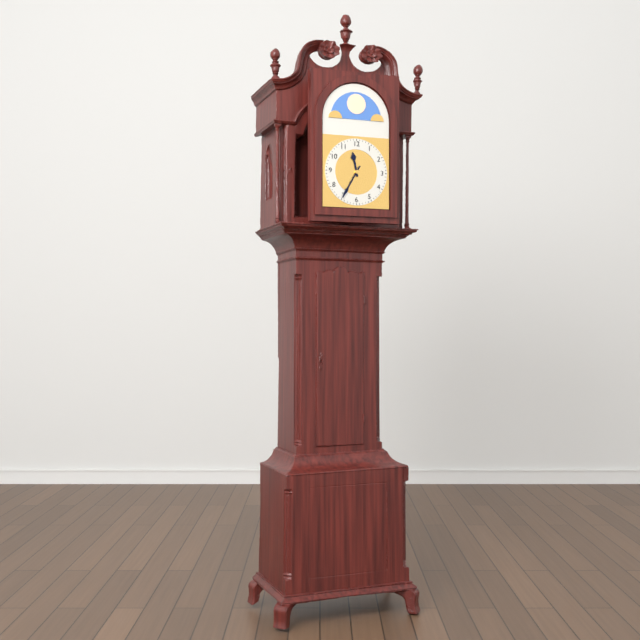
11:35
